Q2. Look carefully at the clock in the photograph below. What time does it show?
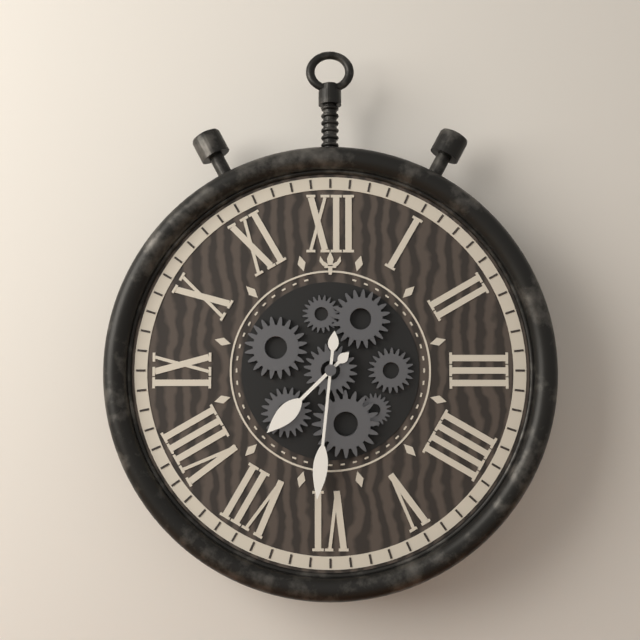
7:31
